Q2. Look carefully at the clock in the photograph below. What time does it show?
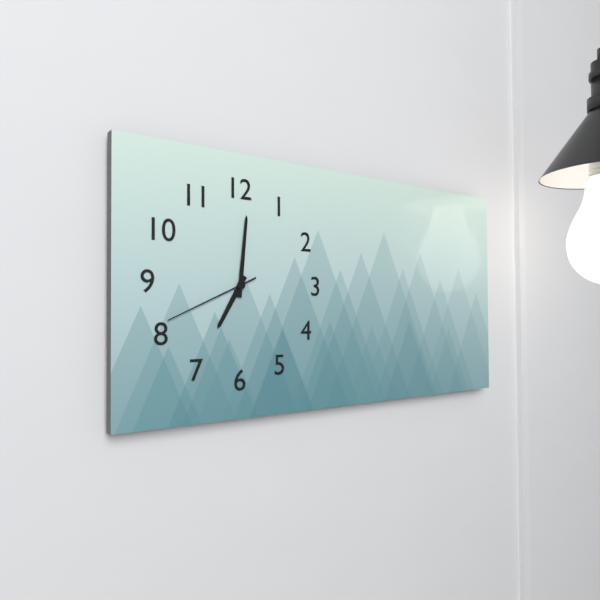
7:01:41
